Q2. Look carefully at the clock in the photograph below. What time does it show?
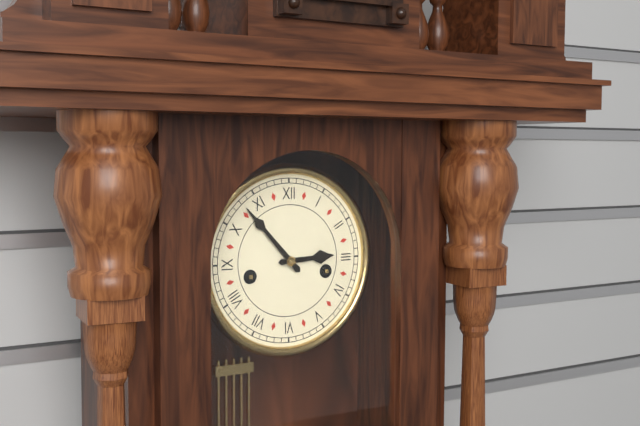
2:53
